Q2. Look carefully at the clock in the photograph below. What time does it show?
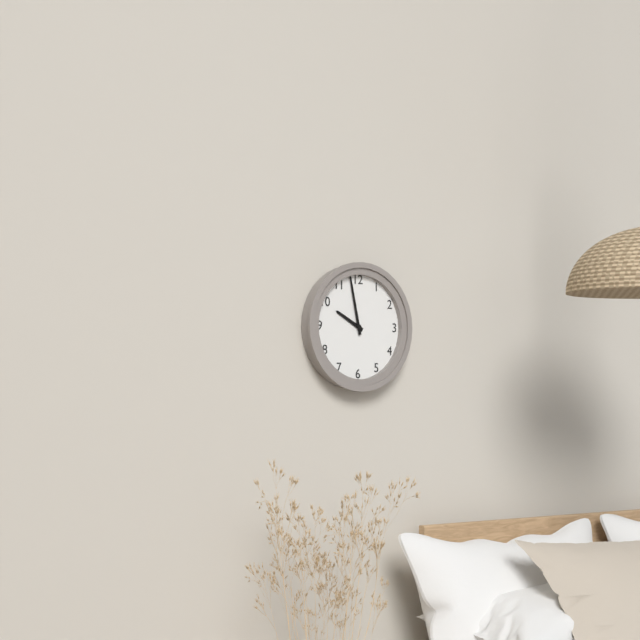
9:58
